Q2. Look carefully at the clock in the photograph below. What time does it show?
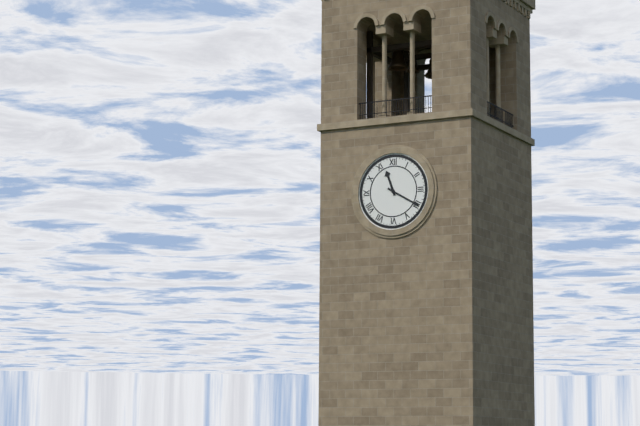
11:20
